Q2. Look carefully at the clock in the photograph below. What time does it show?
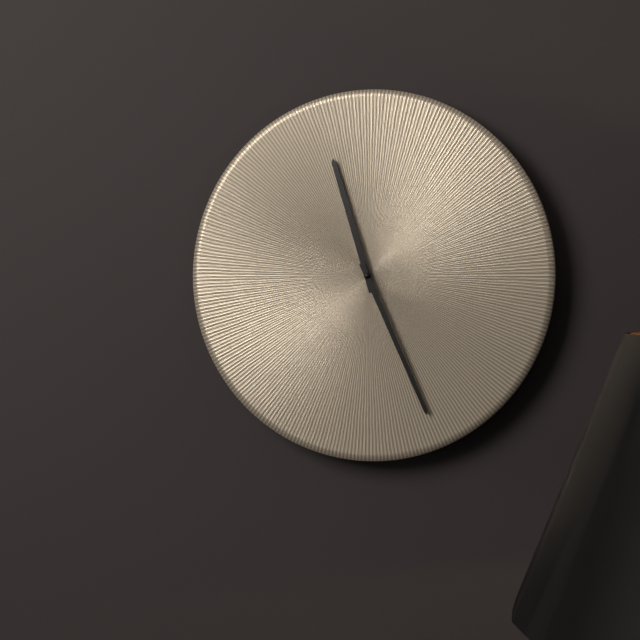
11:26
